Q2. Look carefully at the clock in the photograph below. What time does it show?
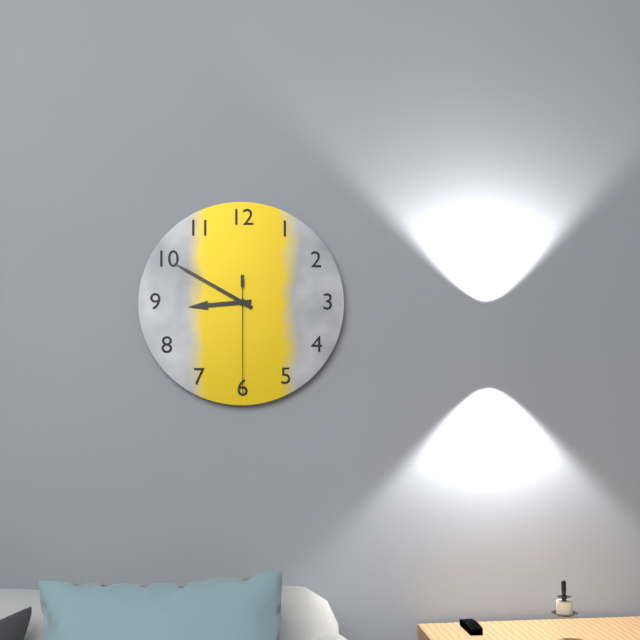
8:50:30
